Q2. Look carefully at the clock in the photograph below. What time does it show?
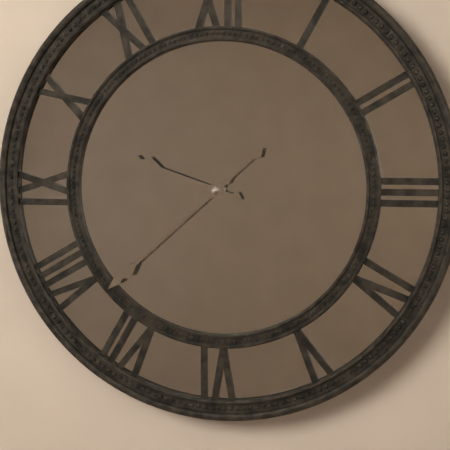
9:38
